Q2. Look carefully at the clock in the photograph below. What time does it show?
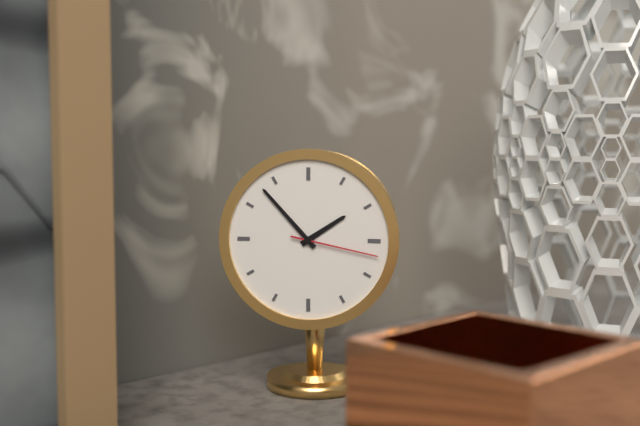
1:53:17
